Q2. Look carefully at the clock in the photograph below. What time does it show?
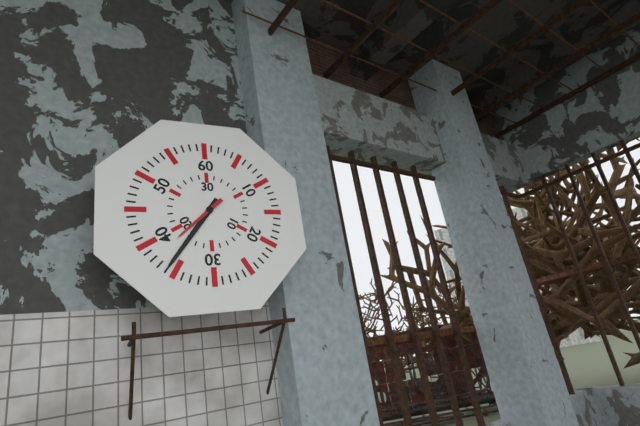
7:36
